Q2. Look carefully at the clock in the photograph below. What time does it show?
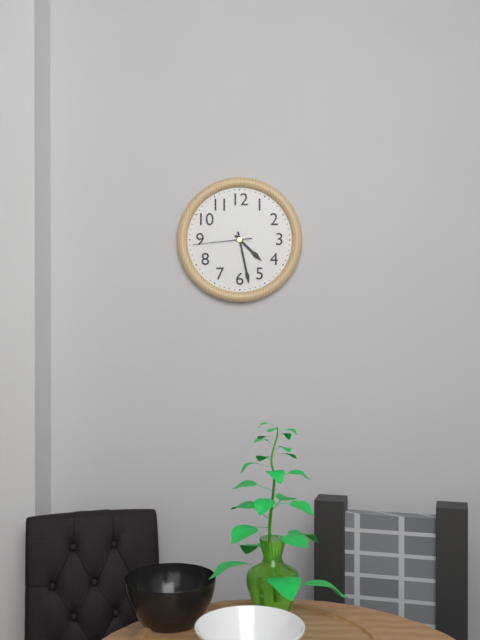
4:28:44
